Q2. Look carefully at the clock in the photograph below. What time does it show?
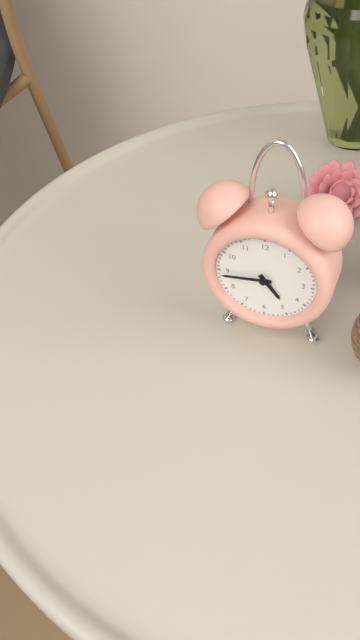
4:44
